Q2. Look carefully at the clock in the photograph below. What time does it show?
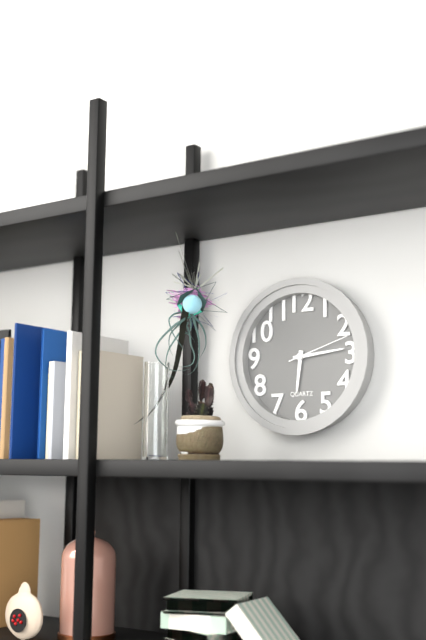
6:14:12
